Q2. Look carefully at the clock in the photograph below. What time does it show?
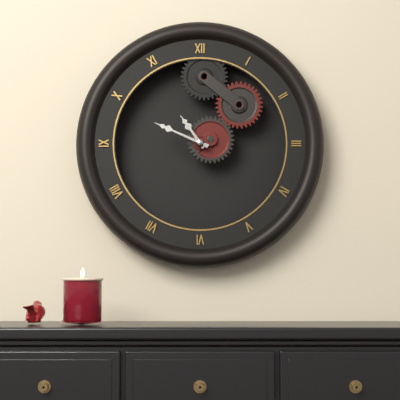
10:49
